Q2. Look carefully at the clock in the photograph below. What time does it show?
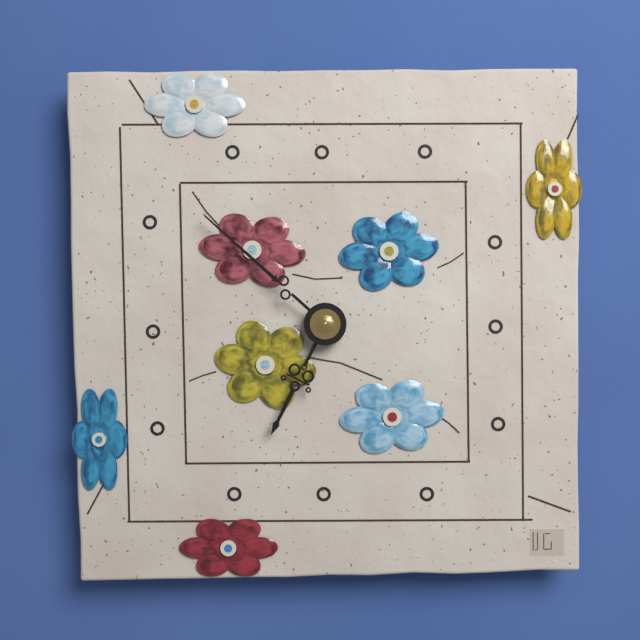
6:52
